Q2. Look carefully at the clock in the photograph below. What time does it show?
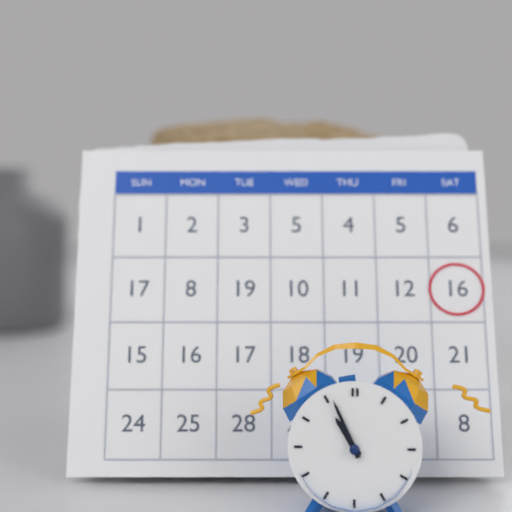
10:56
